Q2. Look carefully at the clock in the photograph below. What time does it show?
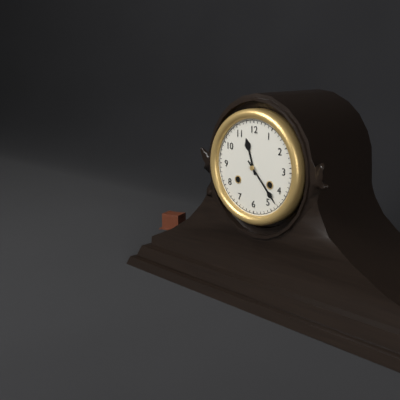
11:23
